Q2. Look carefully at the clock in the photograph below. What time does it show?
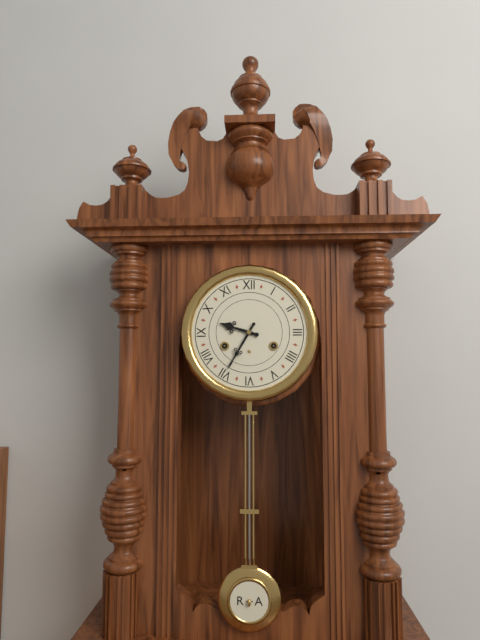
9:35
